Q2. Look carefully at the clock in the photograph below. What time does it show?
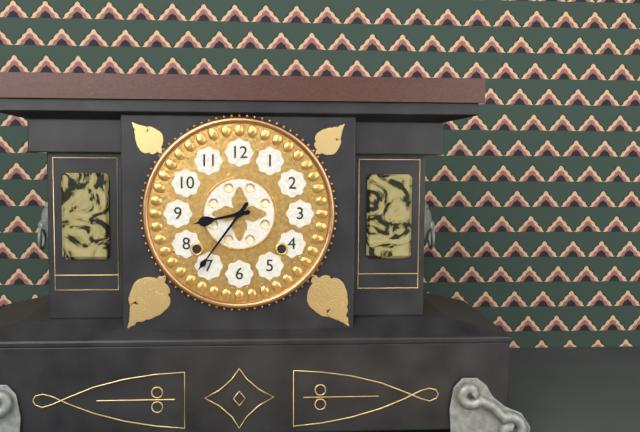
8:36
